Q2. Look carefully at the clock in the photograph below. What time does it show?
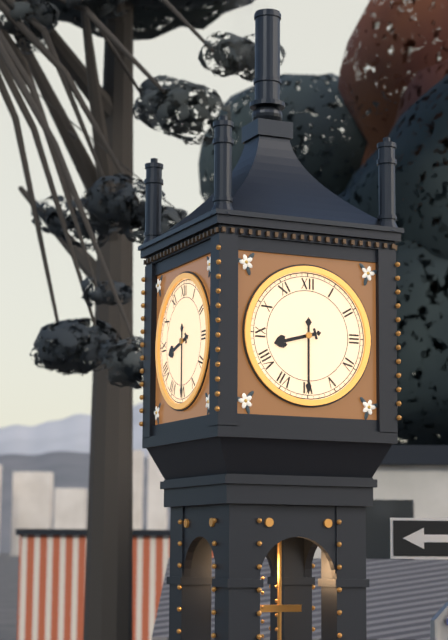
8:30
